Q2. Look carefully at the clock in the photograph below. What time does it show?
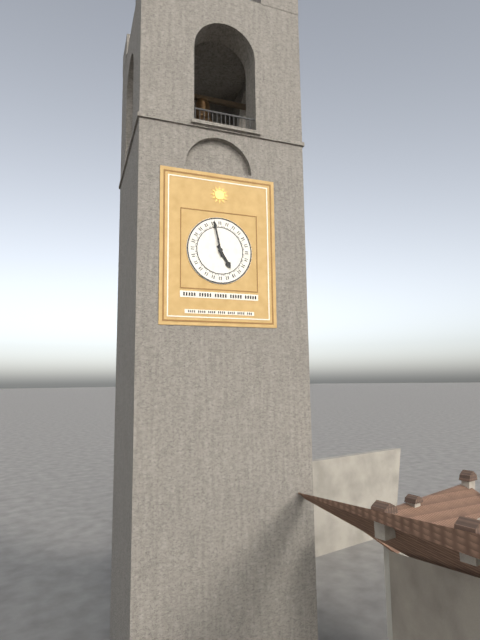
4:58
